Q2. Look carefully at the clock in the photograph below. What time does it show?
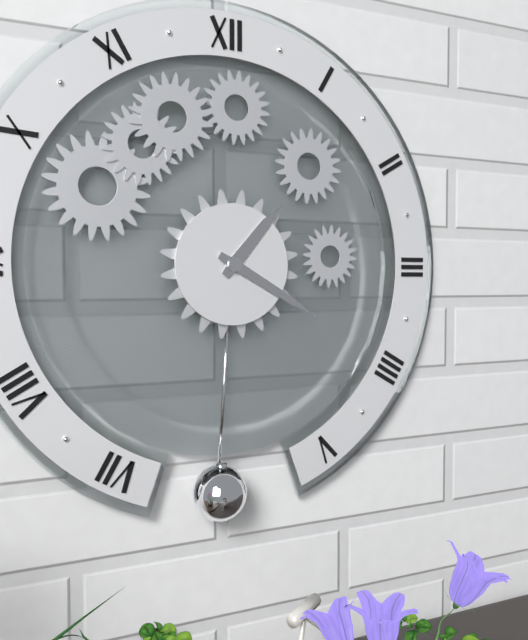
1:20
